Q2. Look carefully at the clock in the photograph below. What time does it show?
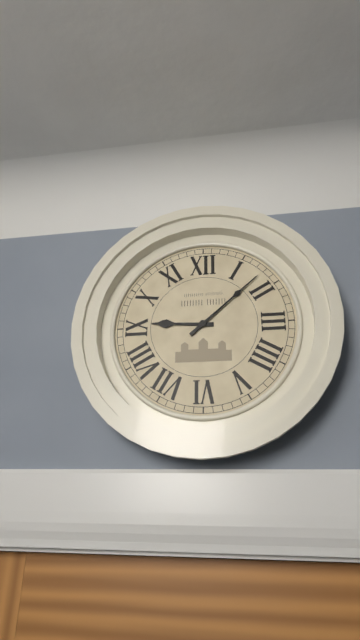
9:08
